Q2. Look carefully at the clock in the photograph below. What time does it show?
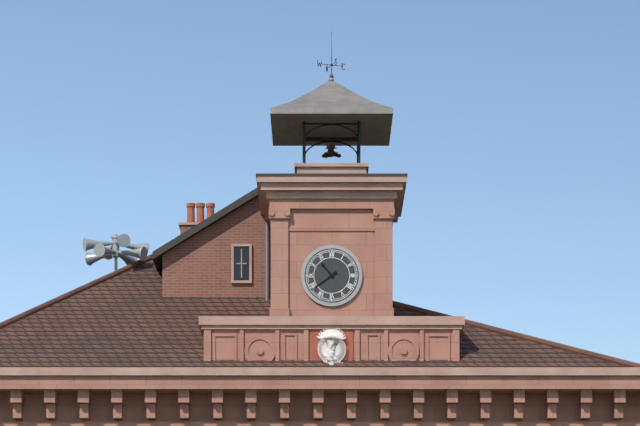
10:39
